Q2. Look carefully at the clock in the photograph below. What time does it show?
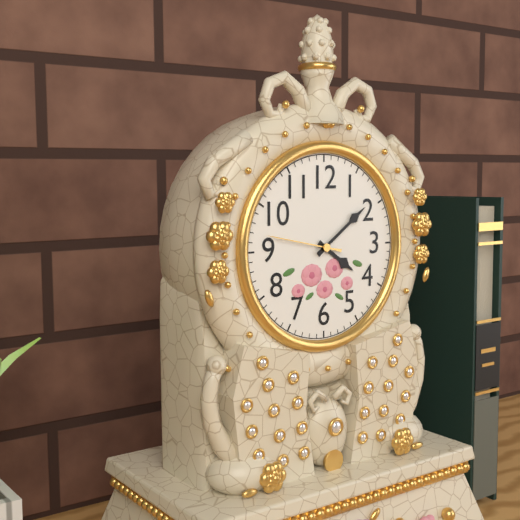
4:09:47
